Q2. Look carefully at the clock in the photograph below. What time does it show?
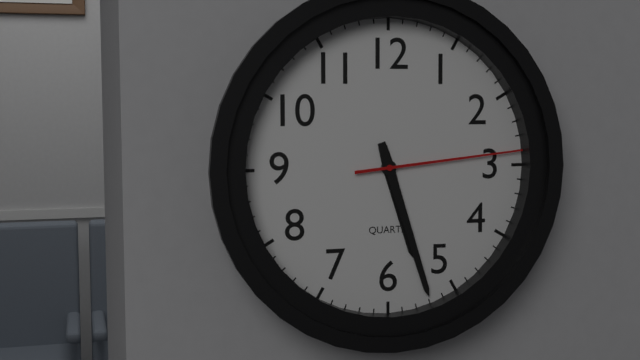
5:27:14
